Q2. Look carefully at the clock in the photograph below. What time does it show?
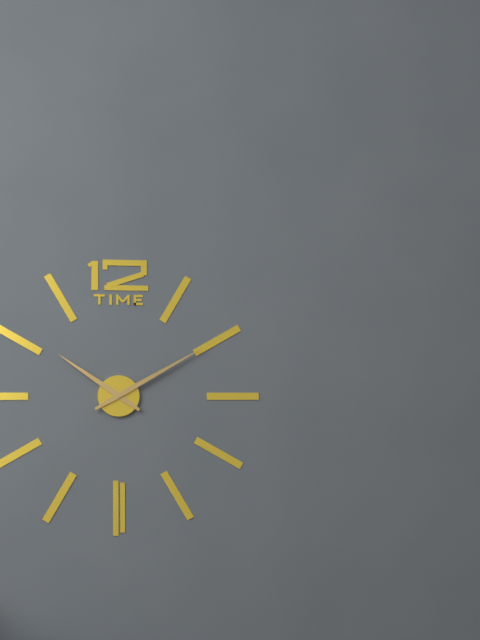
10:10
